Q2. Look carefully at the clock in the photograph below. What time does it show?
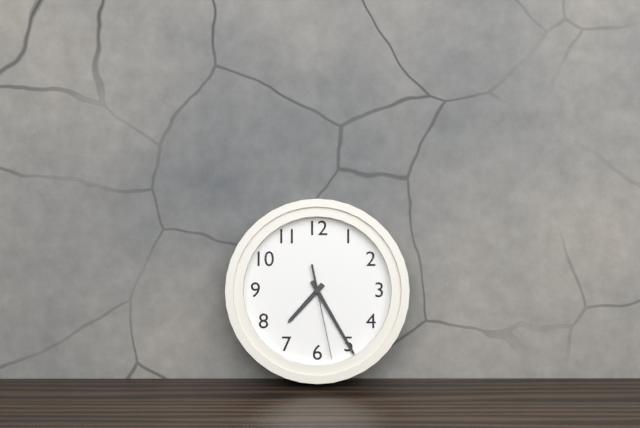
7:25:28
